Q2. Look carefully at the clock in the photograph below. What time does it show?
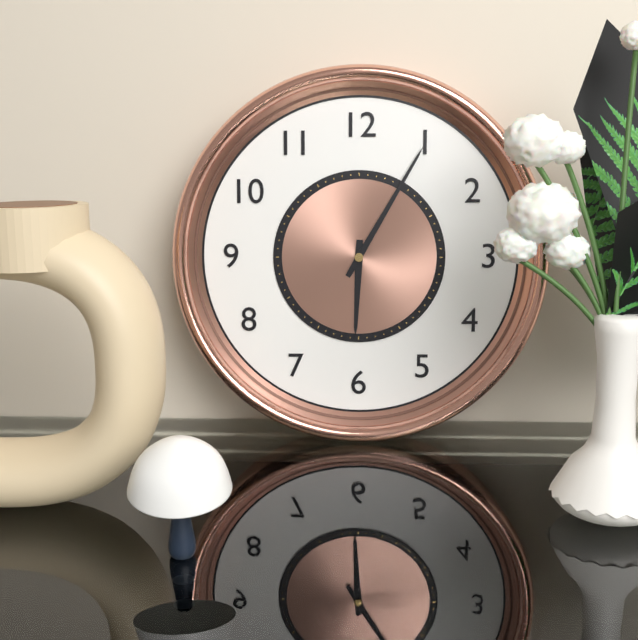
6:05
